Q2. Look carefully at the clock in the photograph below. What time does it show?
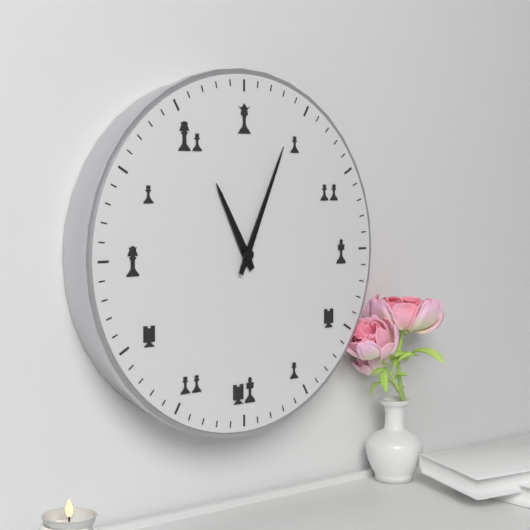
11:04
